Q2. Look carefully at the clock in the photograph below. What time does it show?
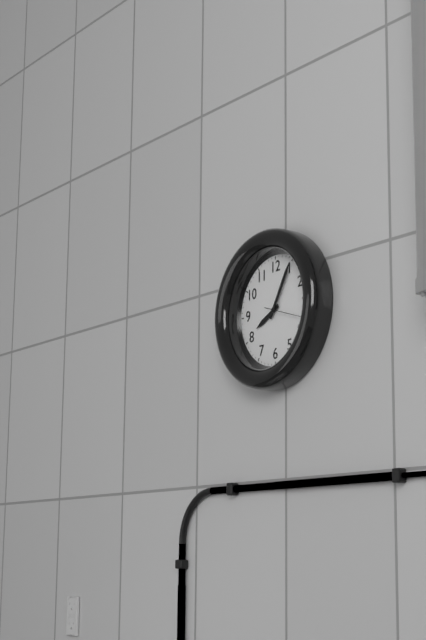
8:05
